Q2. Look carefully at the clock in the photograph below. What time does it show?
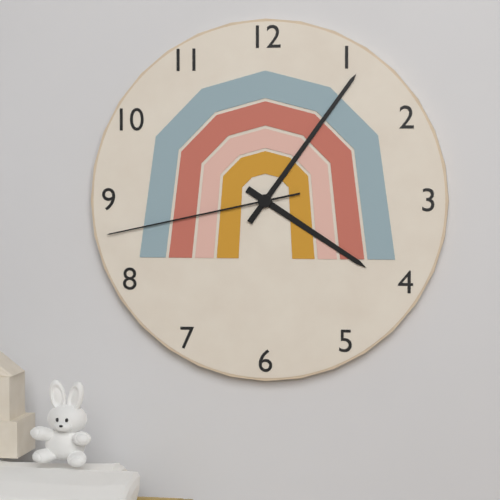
4:06:43
